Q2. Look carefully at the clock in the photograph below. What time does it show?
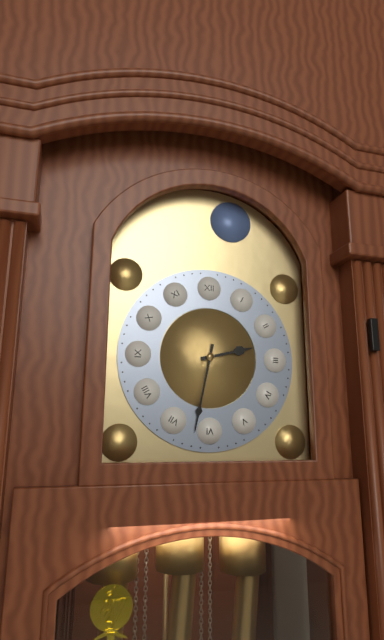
2:32
